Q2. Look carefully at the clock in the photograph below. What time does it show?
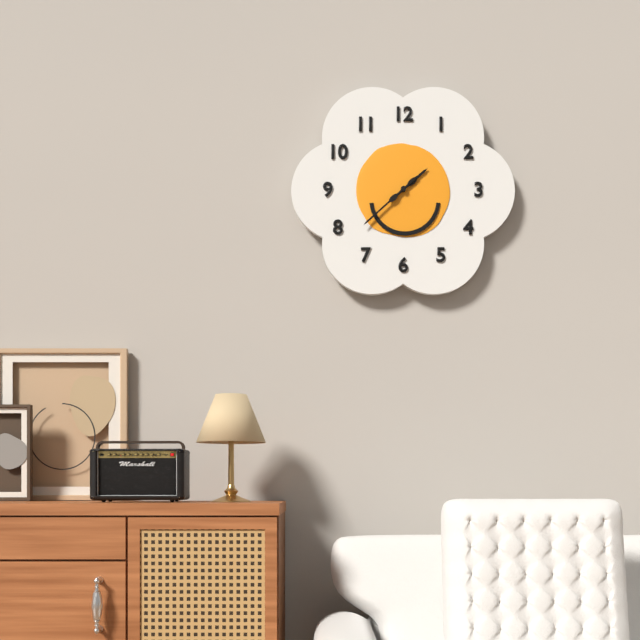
1:38
